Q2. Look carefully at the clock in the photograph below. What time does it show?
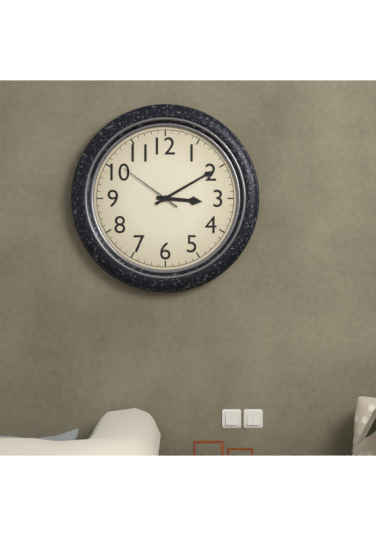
3:10:51
